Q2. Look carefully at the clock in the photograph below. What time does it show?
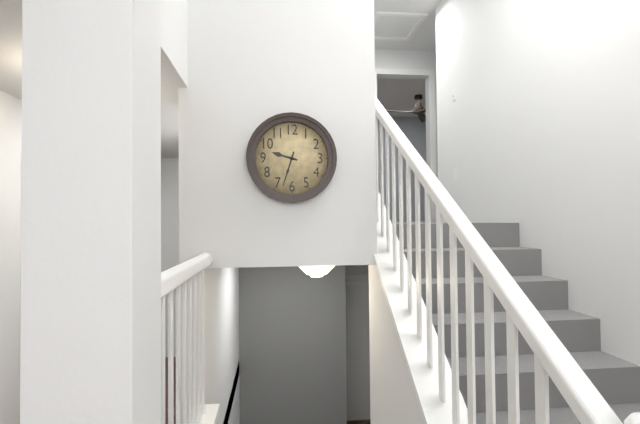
9:33
